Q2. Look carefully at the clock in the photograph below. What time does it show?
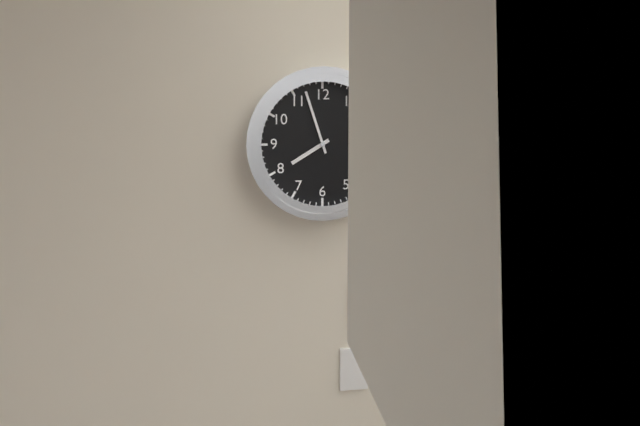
7:57
